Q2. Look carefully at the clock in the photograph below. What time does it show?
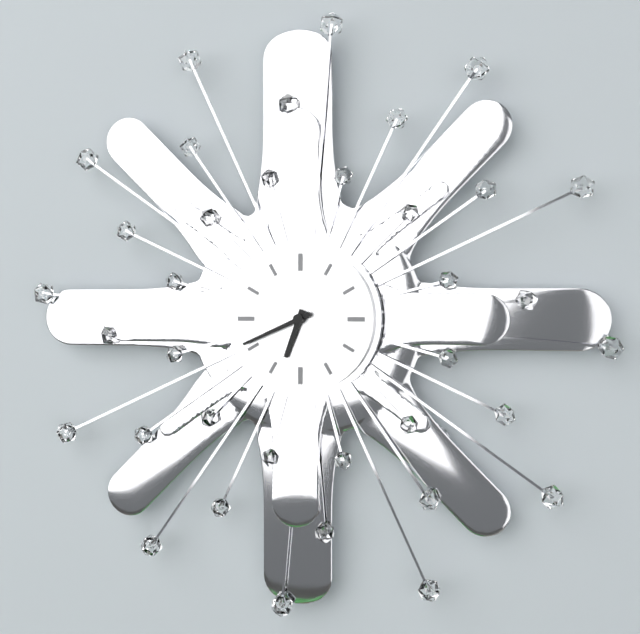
6:41
